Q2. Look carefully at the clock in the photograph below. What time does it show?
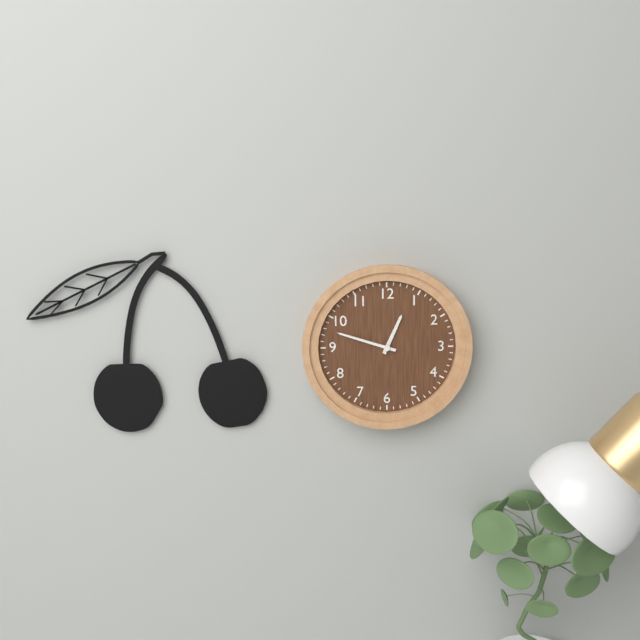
12:48
